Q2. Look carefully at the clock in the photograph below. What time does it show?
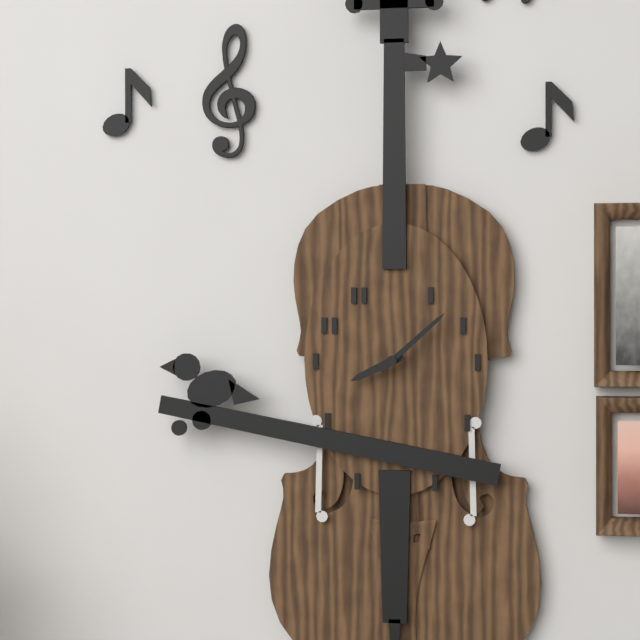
8:08
